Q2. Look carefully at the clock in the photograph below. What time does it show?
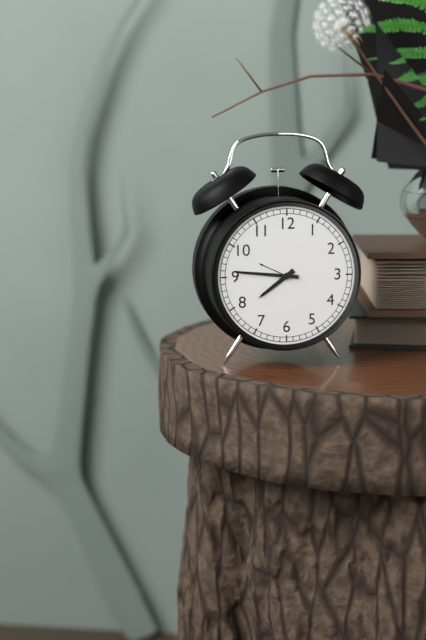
7:46
